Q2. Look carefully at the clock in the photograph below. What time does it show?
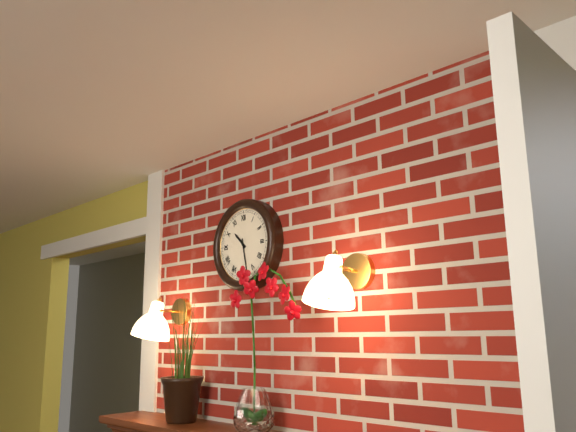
10:28
